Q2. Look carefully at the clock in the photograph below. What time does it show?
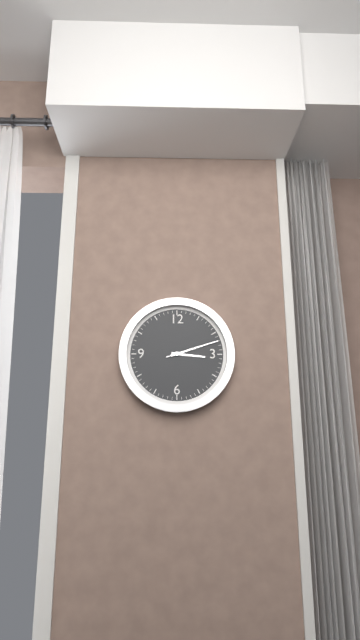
3:12
